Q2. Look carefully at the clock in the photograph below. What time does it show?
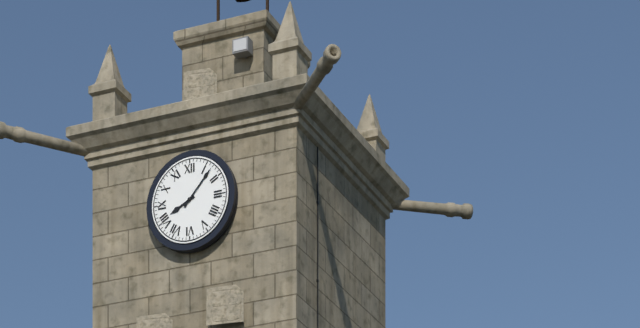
8:07
